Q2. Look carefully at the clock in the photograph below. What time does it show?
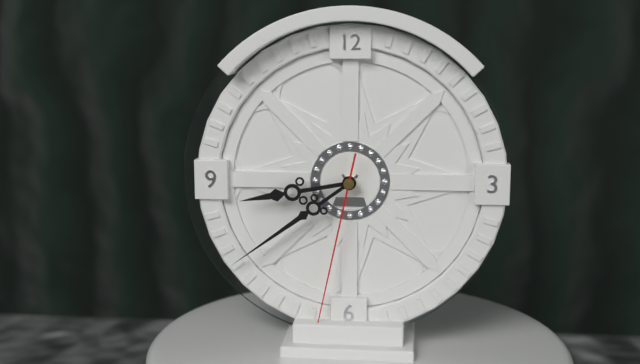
8:39:32
